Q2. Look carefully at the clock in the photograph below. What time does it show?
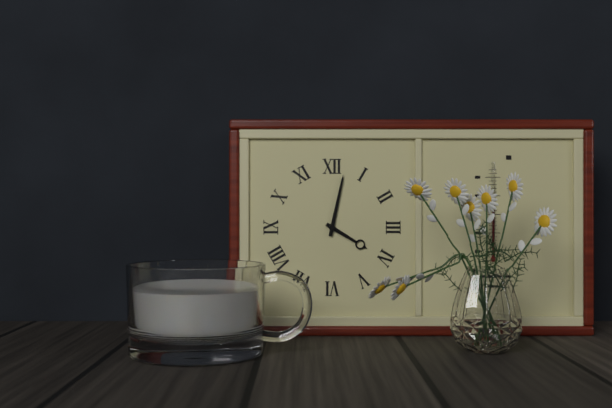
4:02
